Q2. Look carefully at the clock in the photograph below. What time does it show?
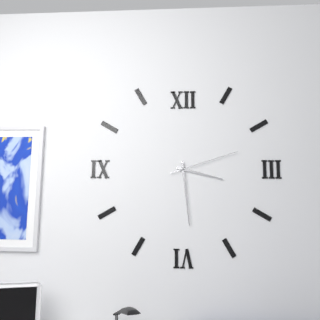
3:29:12
